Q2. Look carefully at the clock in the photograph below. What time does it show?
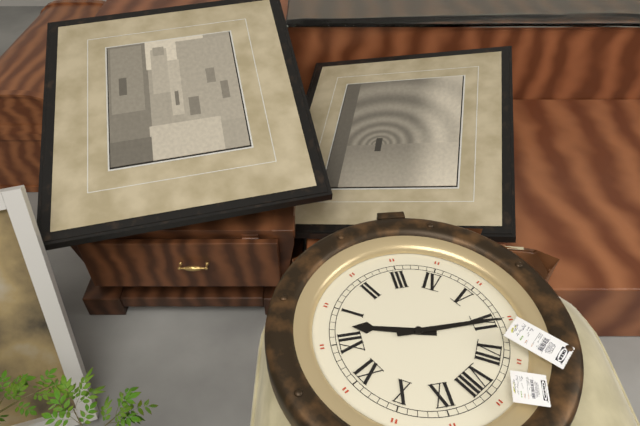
12:30
